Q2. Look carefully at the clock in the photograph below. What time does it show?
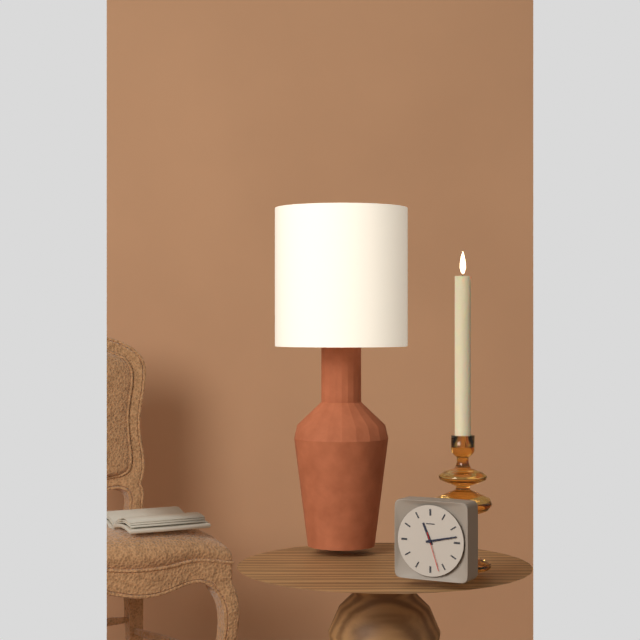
11:13
